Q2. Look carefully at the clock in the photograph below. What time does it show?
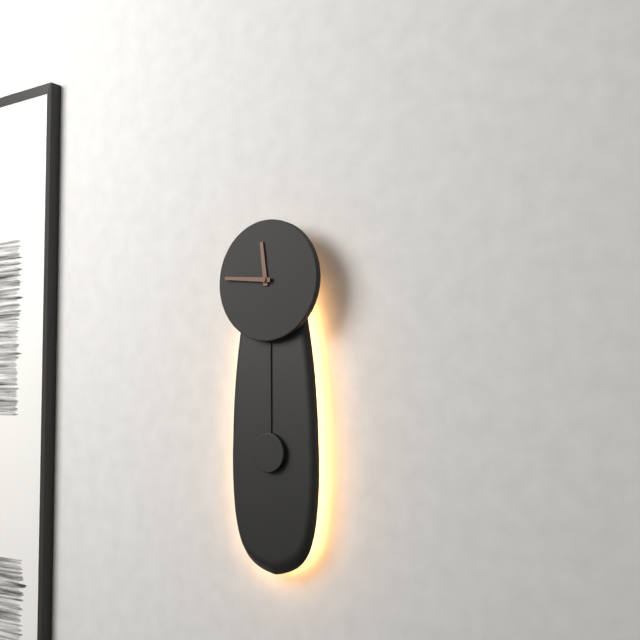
11:46
